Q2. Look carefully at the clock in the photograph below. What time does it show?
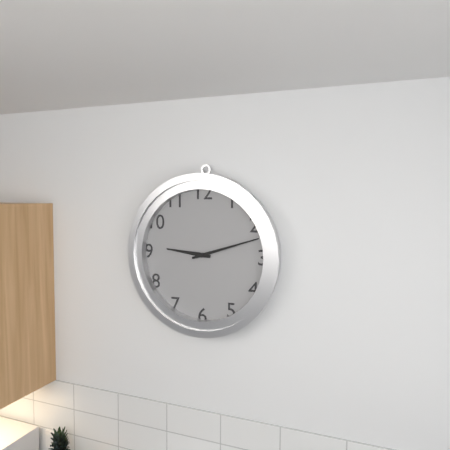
9:12
